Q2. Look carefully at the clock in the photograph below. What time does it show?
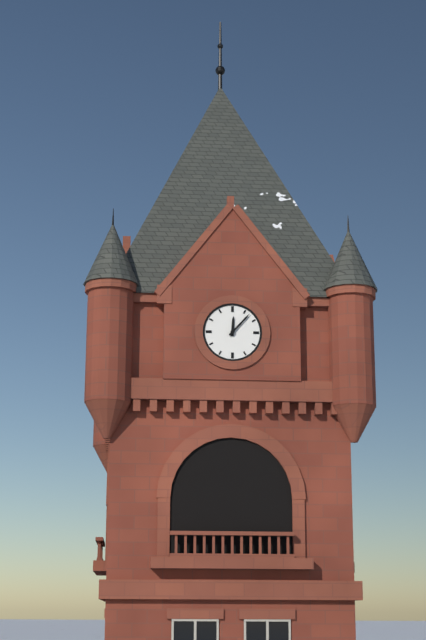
12:07
